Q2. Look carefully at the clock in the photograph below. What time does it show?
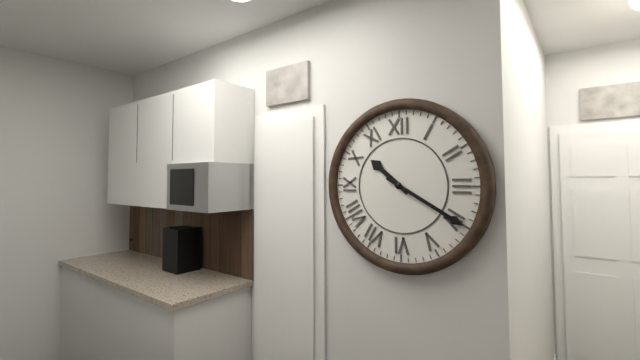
10:20
